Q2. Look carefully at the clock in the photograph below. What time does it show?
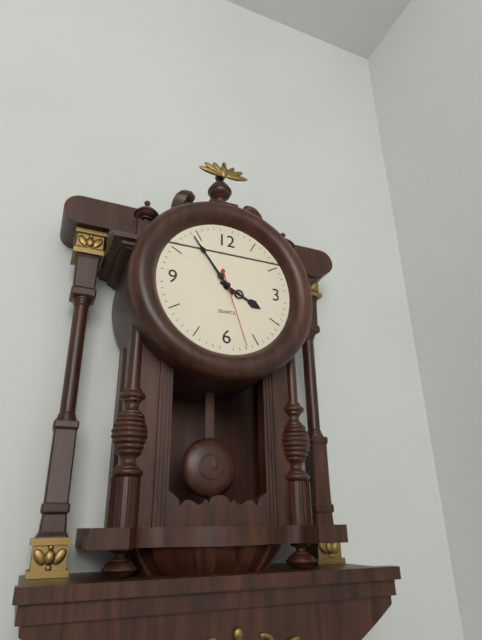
3:54:27
